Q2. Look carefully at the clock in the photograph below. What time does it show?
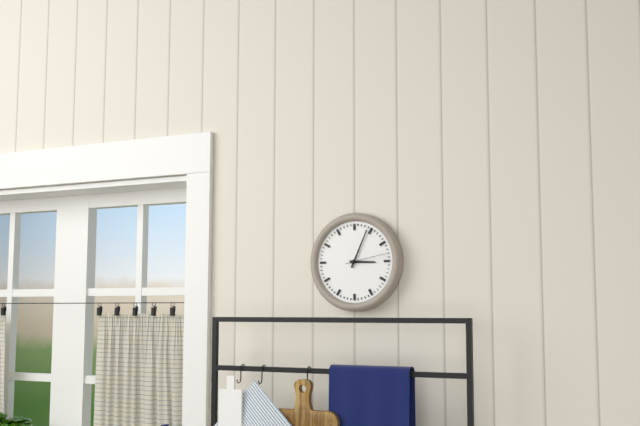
3:04
